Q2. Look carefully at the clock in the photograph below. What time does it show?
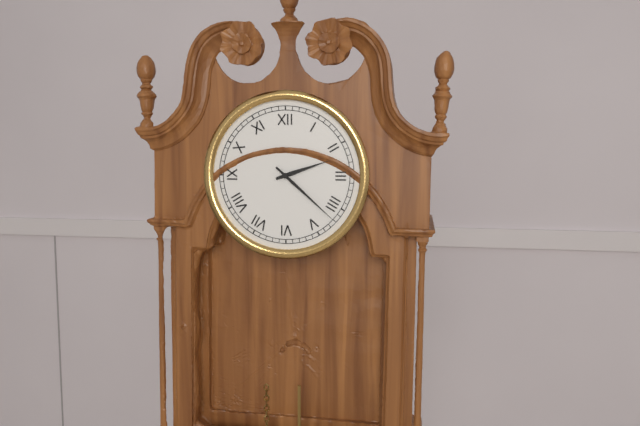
2:22
